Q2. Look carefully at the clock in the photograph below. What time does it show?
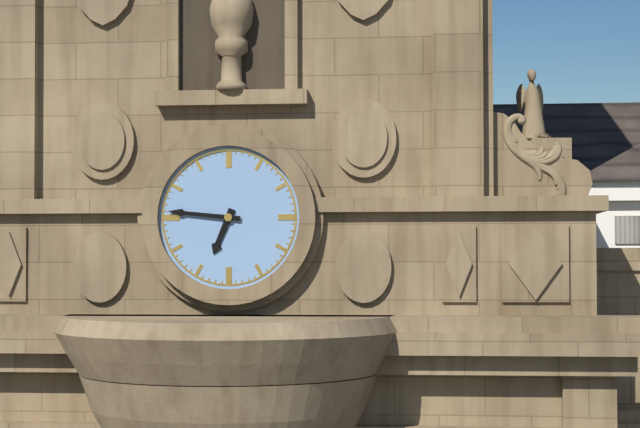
6:46
